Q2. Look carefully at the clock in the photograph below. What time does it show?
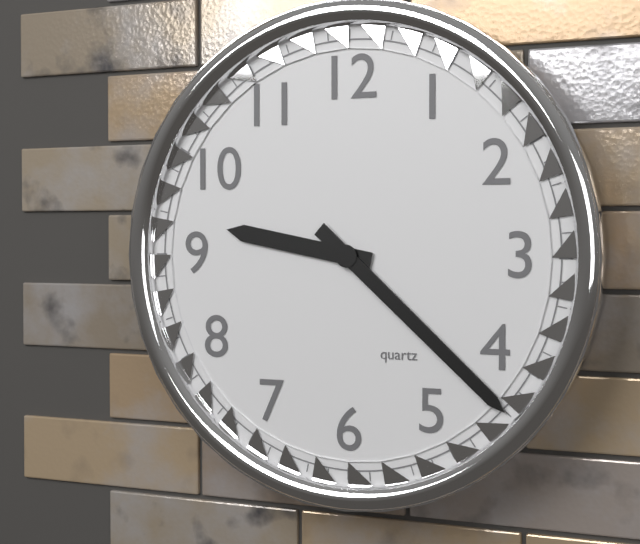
9:22
